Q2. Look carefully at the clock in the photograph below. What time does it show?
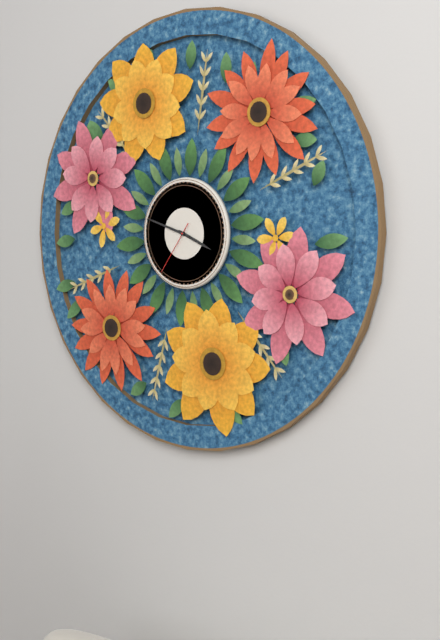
3:48:36
